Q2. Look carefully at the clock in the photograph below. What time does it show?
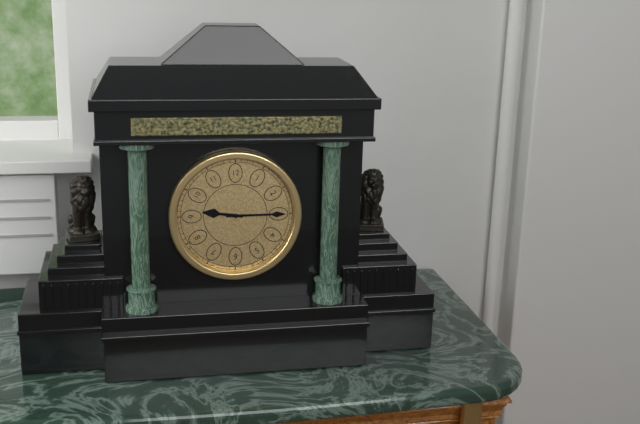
9:15
